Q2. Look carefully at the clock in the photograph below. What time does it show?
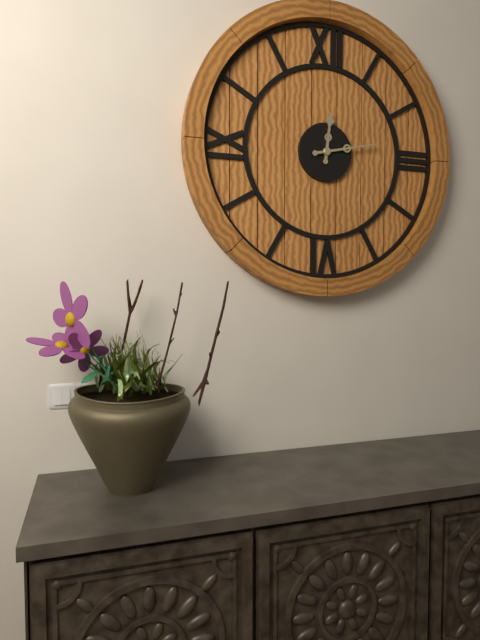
12:13
